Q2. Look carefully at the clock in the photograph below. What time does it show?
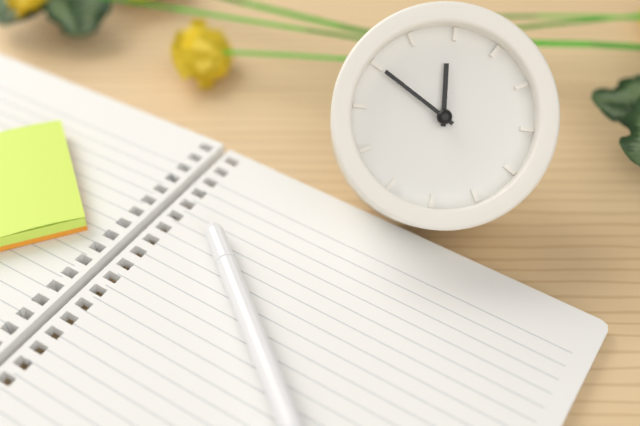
11:50
